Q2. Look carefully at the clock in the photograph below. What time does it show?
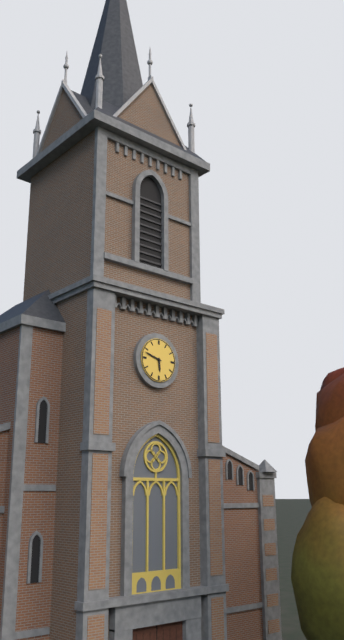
5:48
